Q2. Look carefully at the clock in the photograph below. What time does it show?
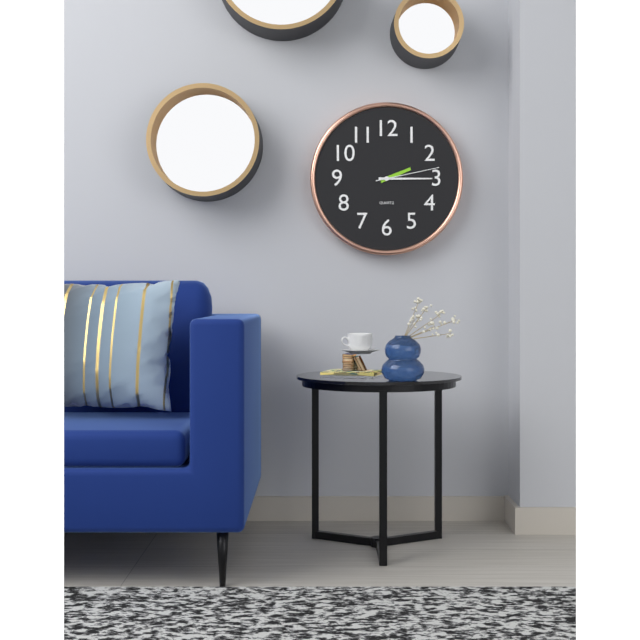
2:15:13
